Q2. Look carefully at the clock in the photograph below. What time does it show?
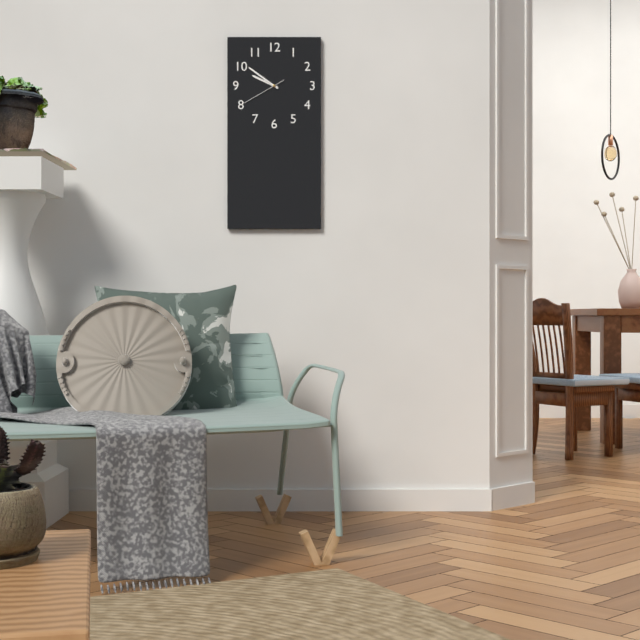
9:51
